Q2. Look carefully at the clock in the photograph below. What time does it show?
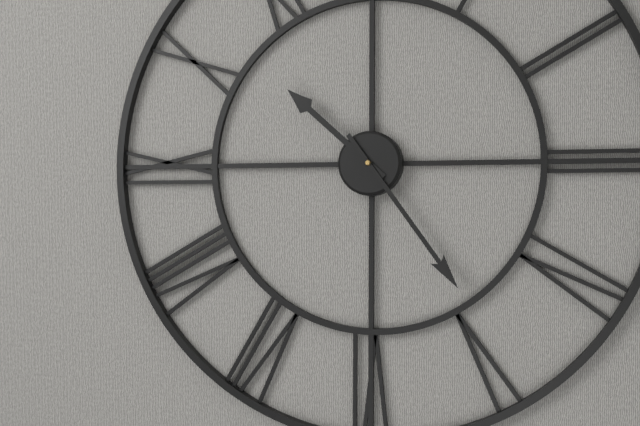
10:24
